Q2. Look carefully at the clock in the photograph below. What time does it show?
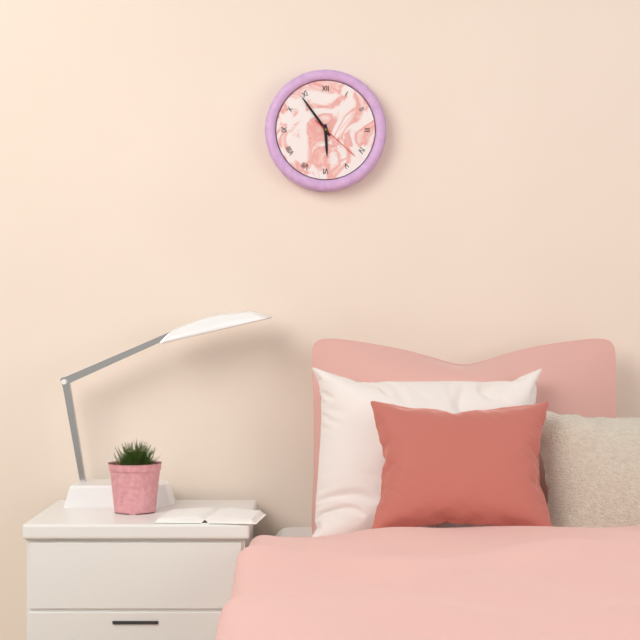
5:54
